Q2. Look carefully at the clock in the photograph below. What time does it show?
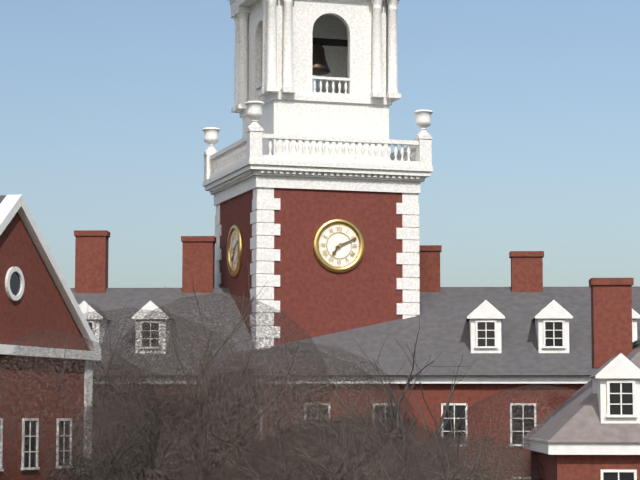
7:11
